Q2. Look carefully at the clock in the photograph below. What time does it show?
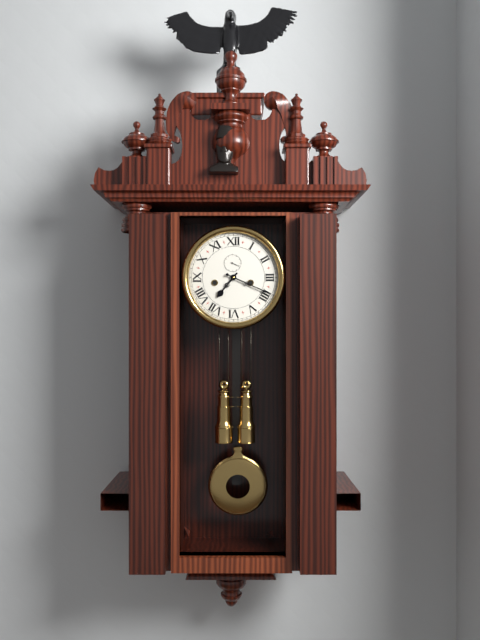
7:19
